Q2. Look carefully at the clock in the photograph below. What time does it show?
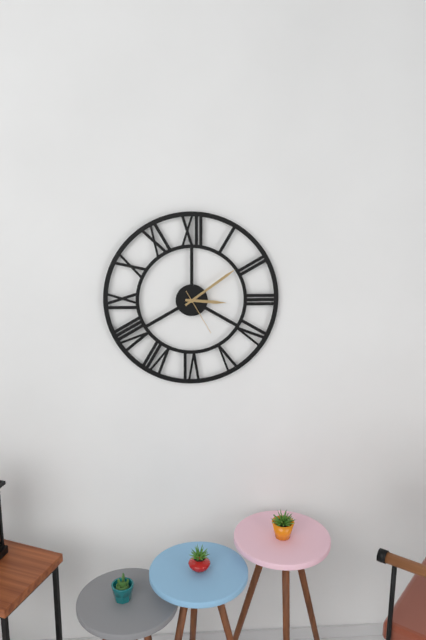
3:09
